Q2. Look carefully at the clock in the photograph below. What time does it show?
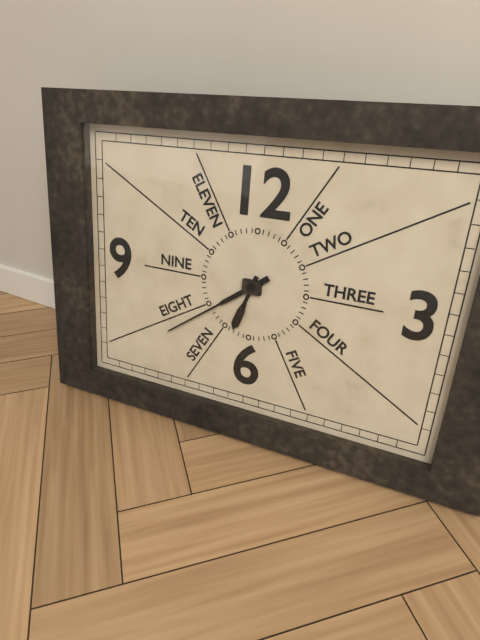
6:39
